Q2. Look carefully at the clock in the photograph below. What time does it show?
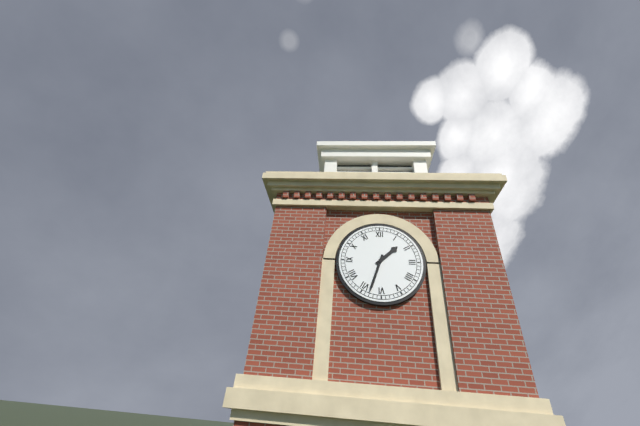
1:33
